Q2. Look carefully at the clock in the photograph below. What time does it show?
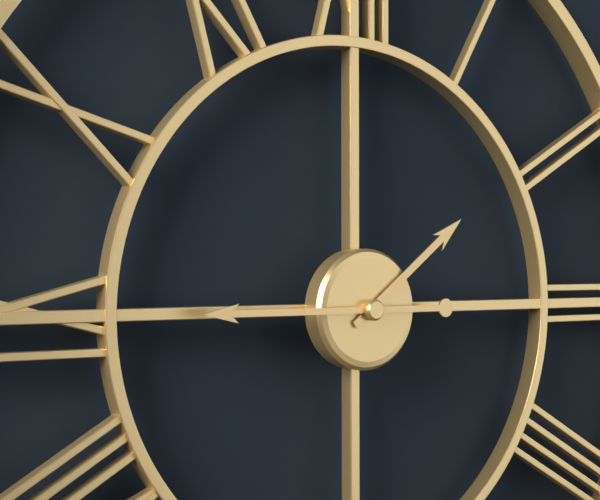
1:45
